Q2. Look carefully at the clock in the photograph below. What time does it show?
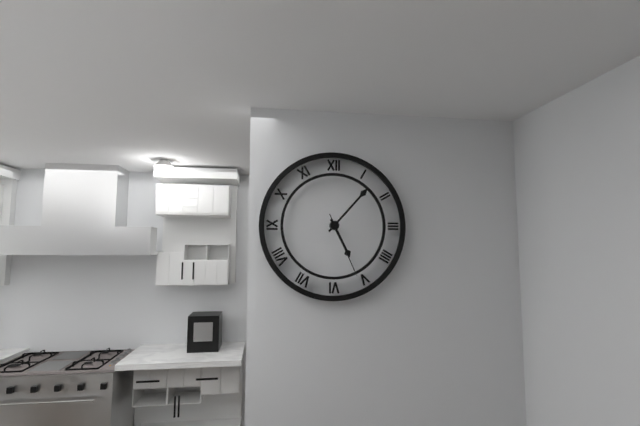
5:07:26
